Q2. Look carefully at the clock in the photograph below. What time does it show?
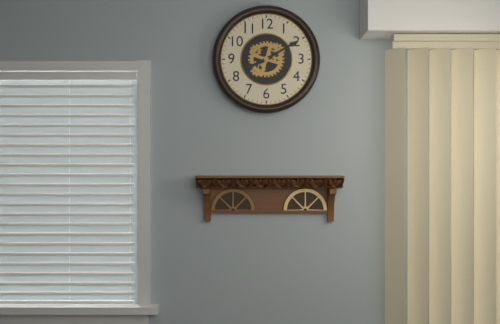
8:10
